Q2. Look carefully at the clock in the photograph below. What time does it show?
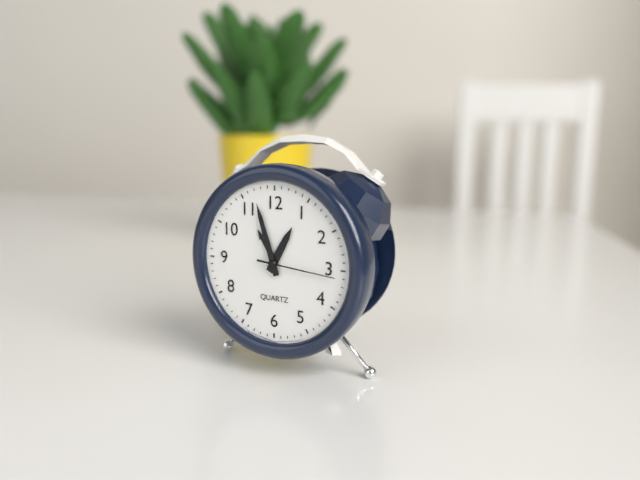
12:57:16
